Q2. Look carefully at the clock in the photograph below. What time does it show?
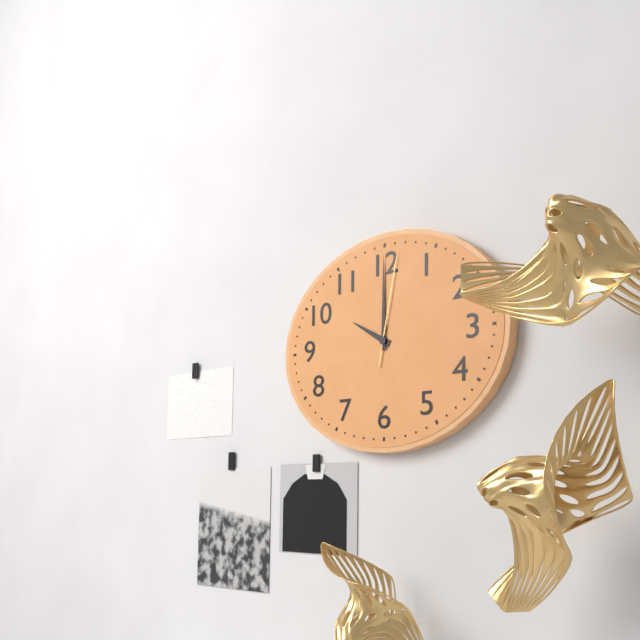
10:00:02
